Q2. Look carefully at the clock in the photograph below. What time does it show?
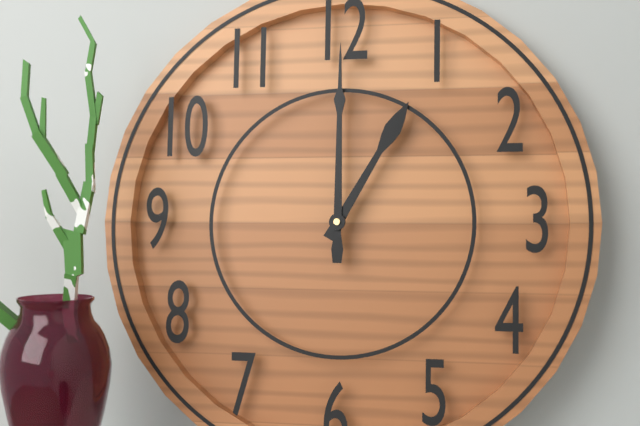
1:00
